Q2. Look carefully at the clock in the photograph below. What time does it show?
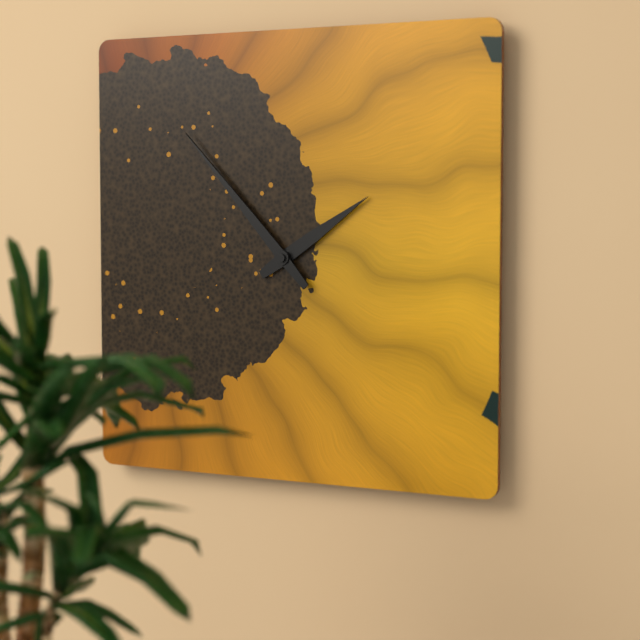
1:53
